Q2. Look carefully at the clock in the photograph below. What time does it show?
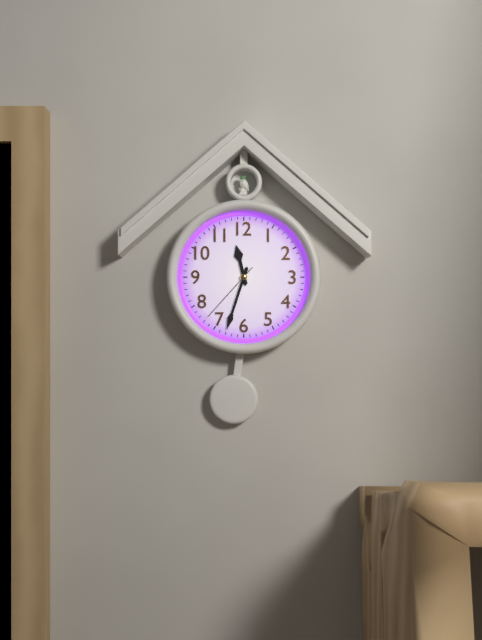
11:33:37
